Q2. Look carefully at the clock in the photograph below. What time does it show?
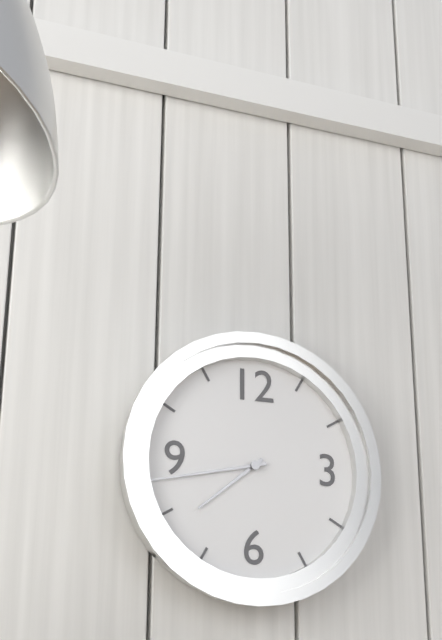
7:43
